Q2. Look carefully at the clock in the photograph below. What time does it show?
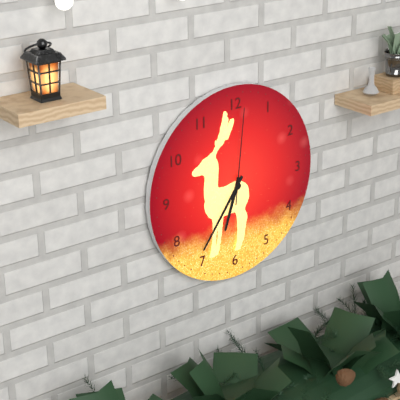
6:36:01
